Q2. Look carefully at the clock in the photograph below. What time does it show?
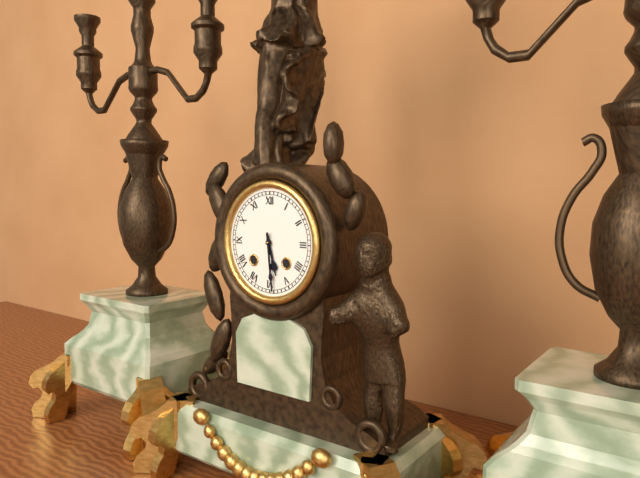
5:29
